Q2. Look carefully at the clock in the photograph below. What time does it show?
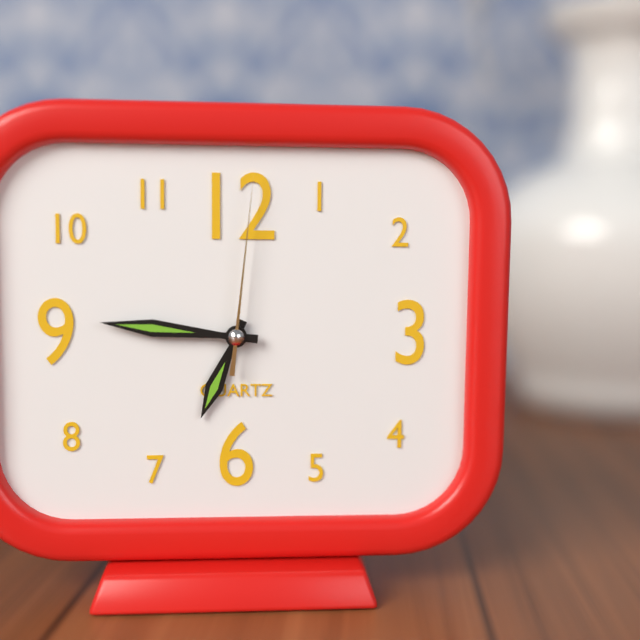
6:46:01
